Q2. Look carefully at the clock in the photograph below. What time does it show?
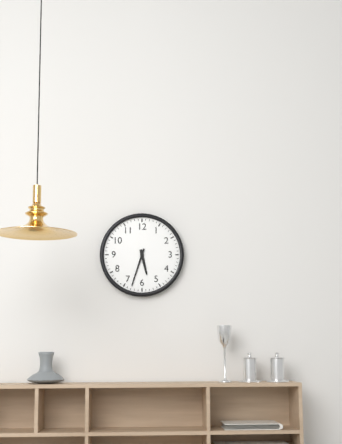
5:33
